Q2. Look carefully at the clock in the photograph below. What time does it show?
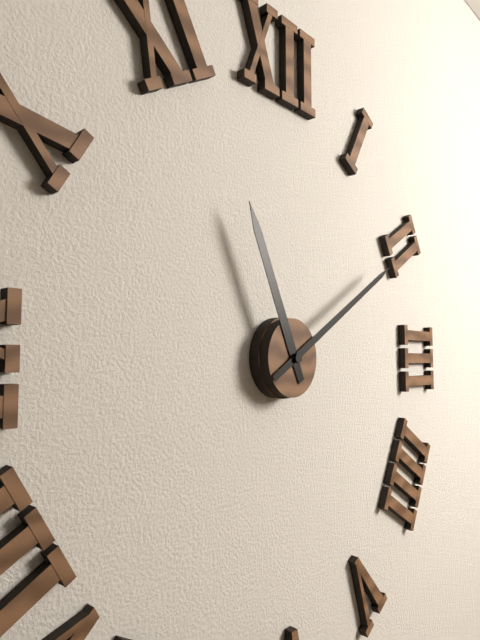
11:10
